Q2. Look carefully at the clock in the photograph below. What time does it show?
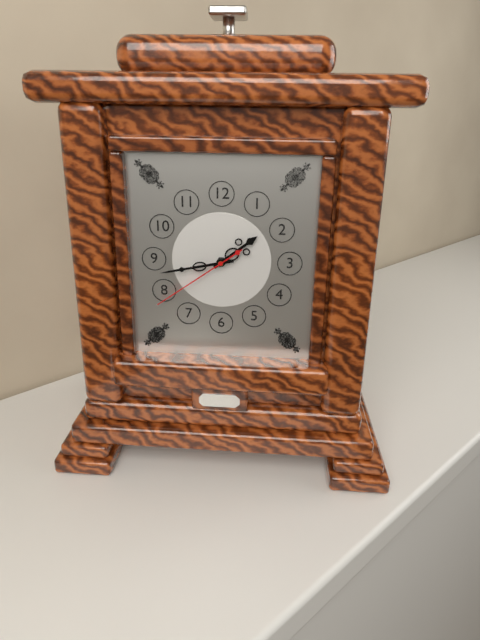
1:43:39
